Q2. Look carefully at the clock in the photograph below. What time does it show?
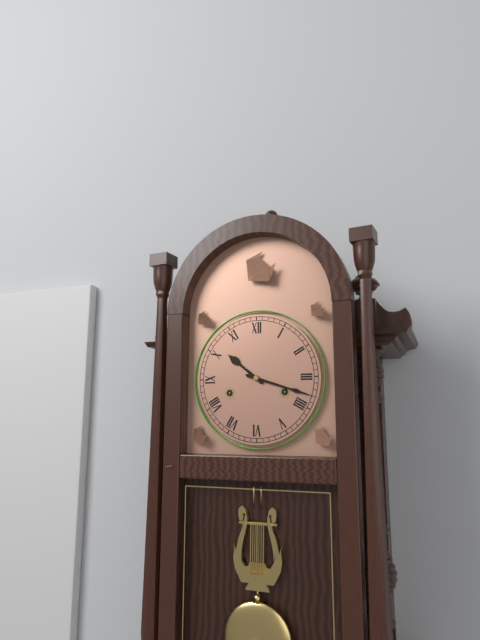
10:18
